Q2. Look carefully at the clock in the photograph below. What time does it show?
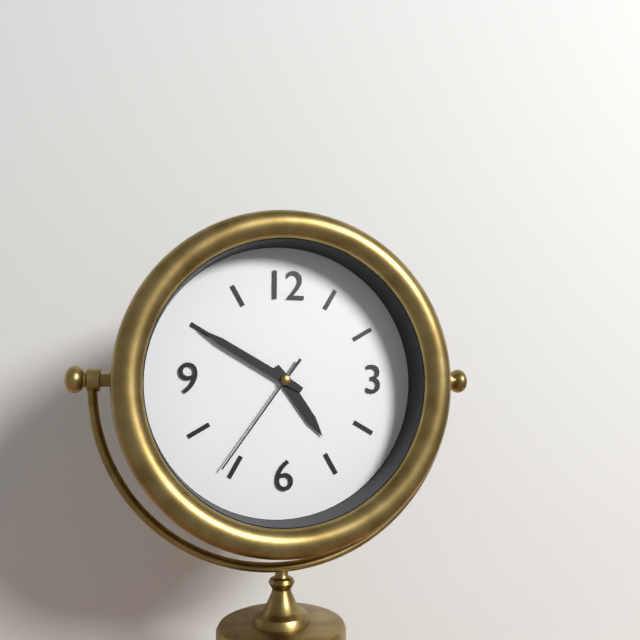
4:50:36
